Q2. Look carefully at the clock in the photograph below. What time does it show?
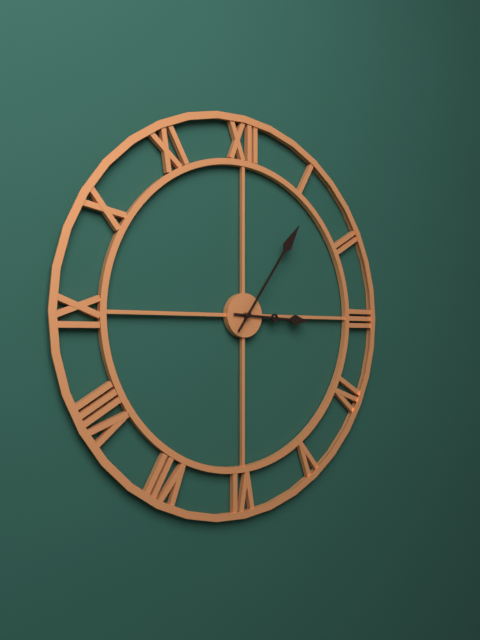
3:06
